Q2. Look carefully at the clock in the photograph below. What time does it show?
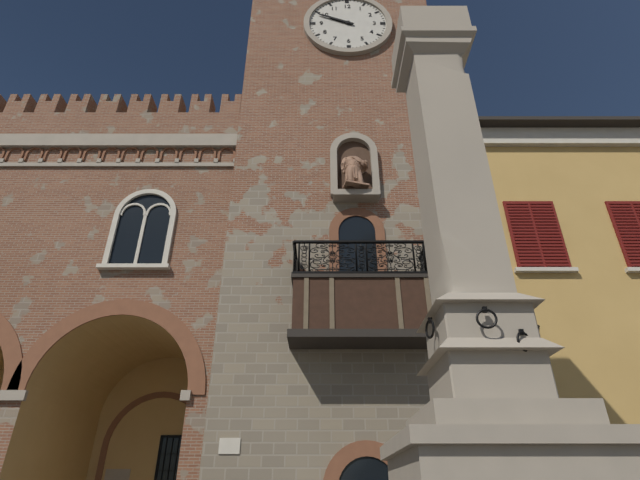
9:49
